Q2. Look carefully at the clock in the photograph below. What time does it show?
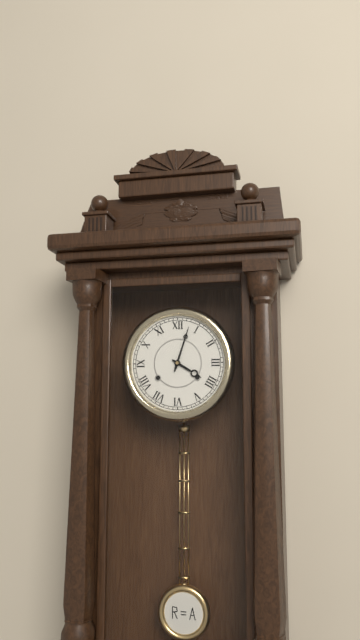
4:03
